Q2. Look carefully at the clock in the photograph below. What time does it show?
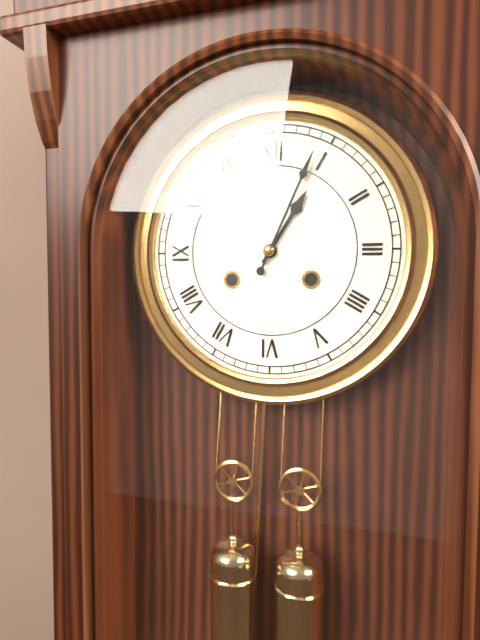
1:04
